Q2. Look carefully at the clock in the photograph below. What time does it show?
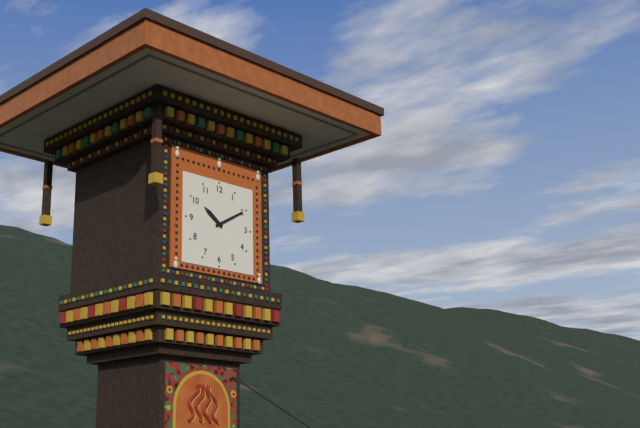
10:10
